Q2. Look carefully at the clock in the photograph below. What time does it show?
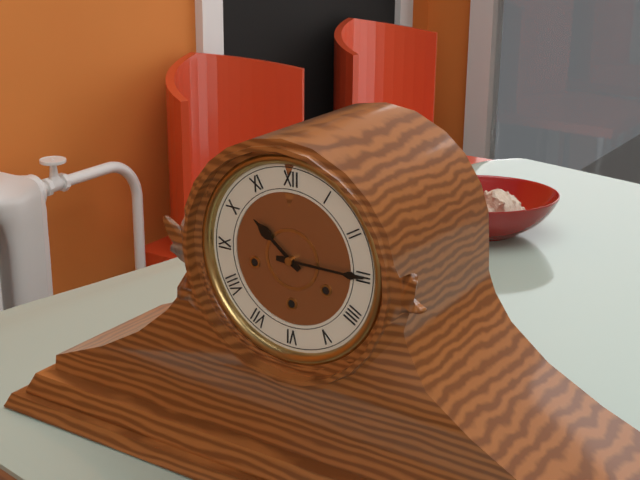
10:15
